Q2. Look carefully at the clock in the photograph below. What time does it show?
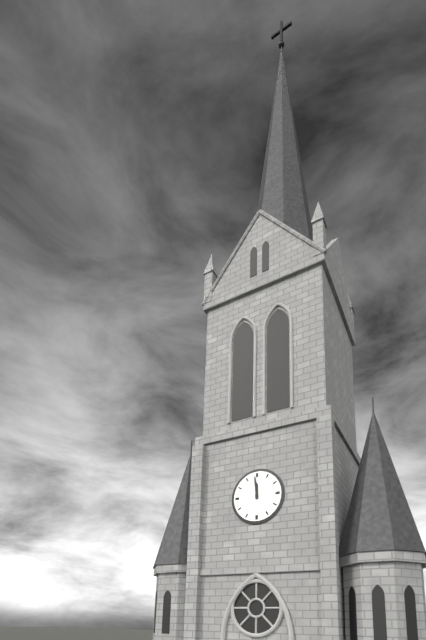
11:59
